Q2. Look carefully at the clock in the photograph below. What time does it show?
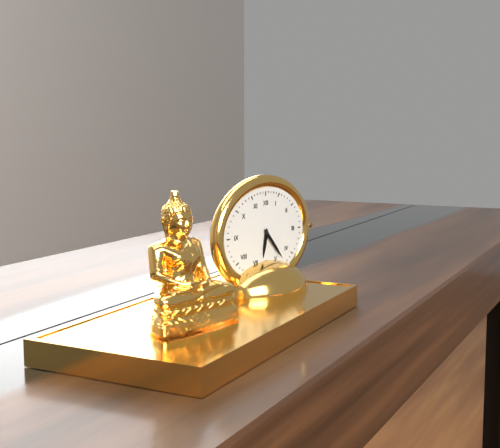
6:23
